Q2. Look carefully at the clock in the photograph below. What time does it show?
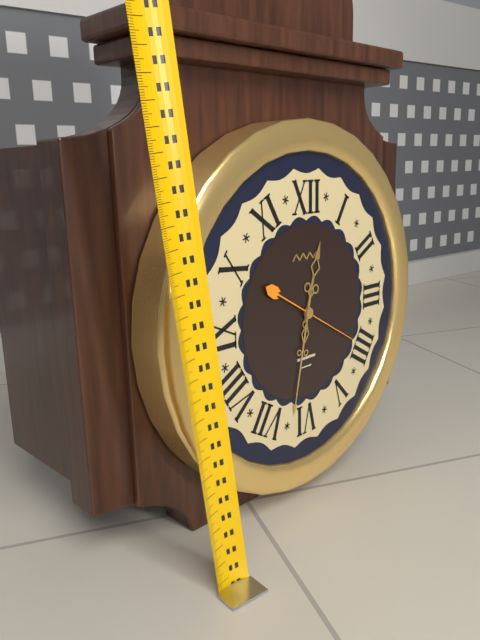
12:32:20
